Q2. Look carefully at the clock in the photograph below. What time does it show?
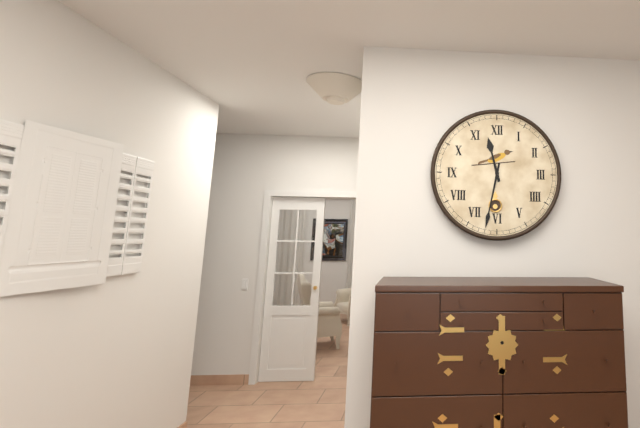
11:32
